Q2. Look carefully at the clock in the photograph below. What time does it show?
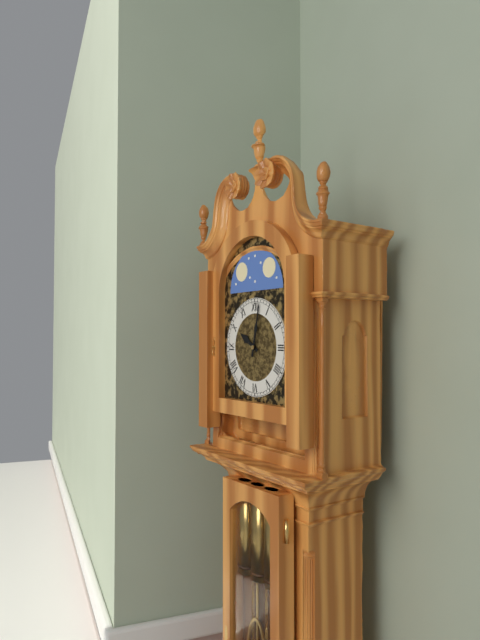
10:02
